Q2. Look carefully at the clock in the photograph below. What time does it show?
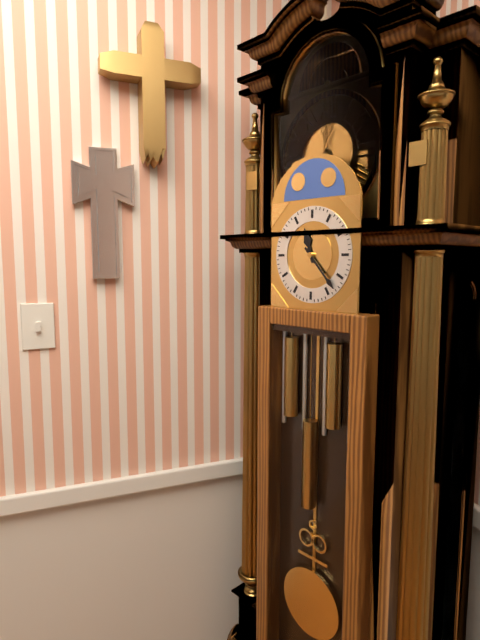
11:23
